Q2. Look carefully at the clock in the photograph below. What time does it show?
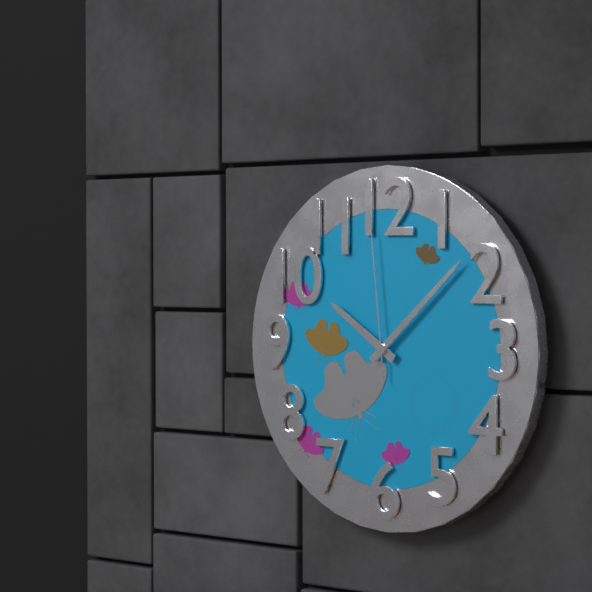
10:08:59
